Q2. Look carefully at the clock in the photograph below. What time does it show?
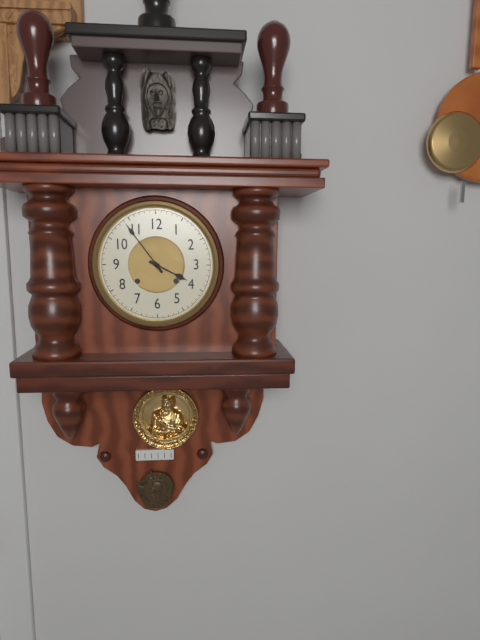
3:54
